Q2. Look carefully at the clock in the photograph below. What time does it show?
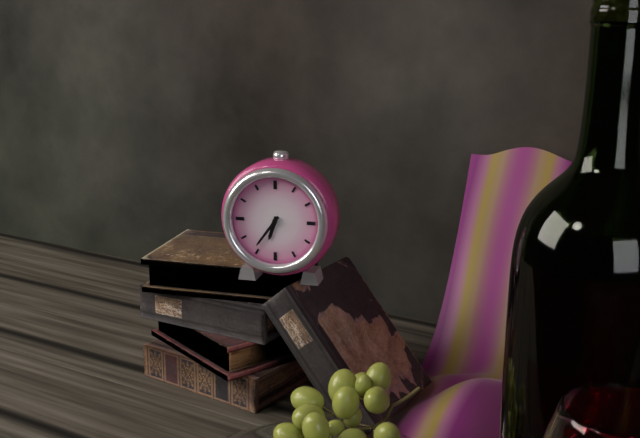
6:36
